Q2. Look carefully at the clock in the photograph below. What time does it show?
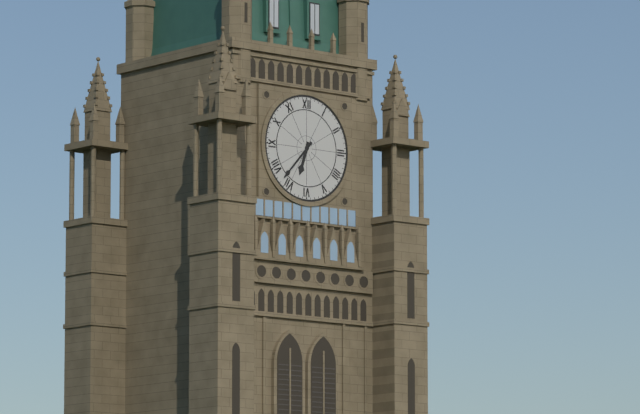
6:37
